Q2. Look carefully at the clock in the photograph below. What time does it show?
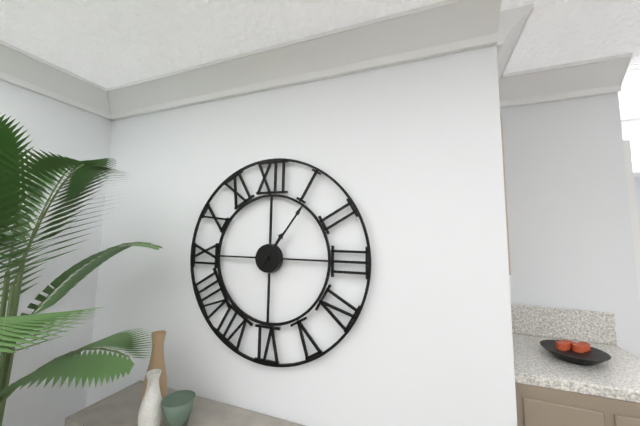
1:06
